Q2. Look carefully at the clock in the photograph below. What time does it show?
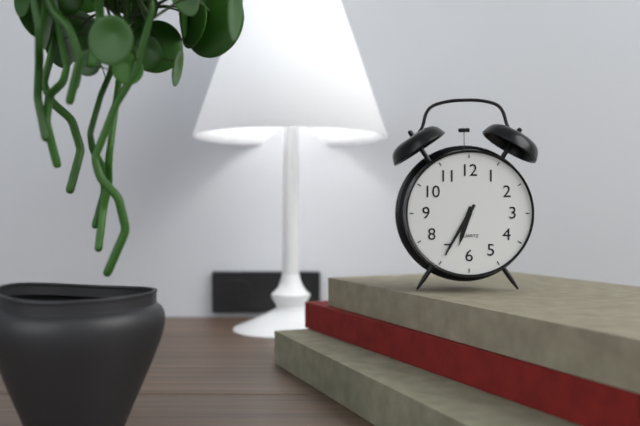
6:35
